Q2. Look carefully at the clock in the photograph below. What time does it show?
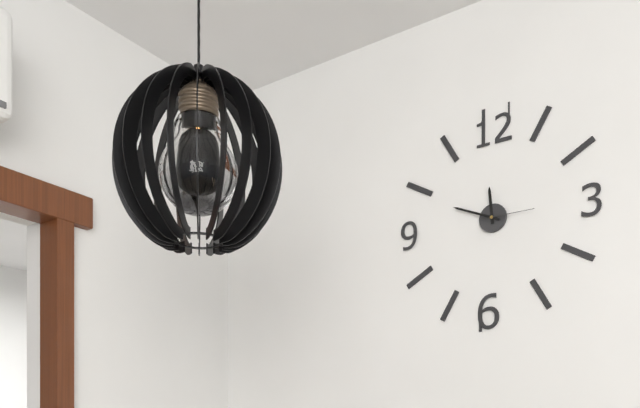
11:49:15
